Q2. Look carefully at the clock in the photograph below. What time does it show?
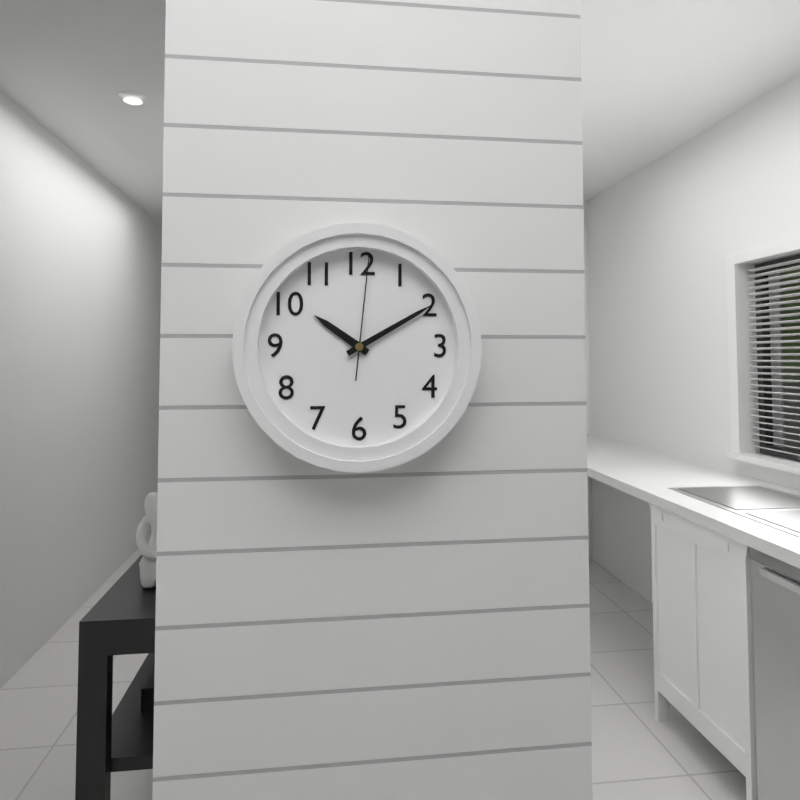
10:10:01
